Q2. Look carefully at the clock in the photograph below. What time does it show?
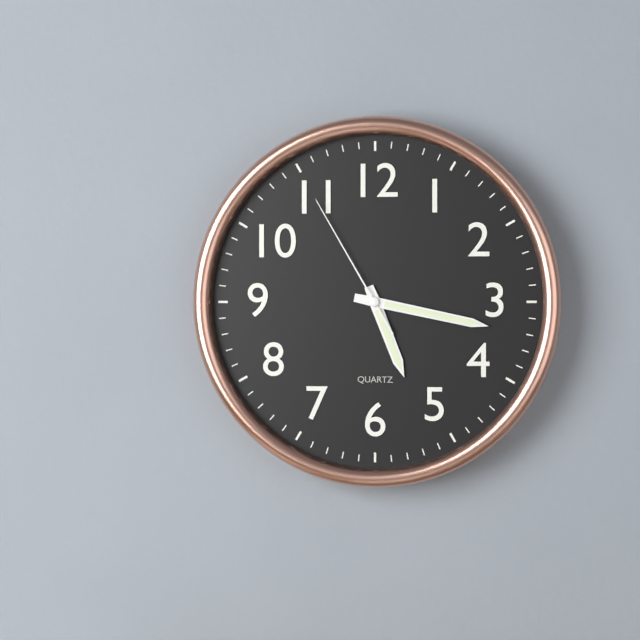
5:17:55
